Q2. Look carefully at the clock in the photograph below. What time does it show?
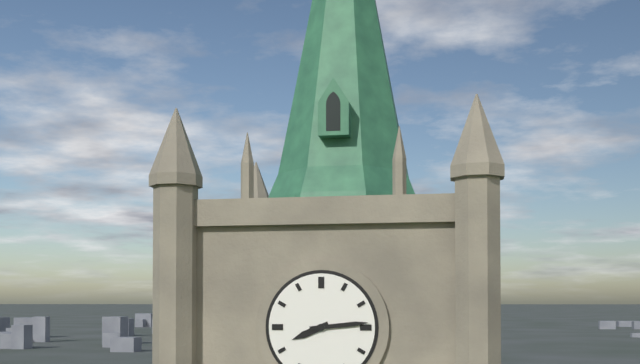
8:14
